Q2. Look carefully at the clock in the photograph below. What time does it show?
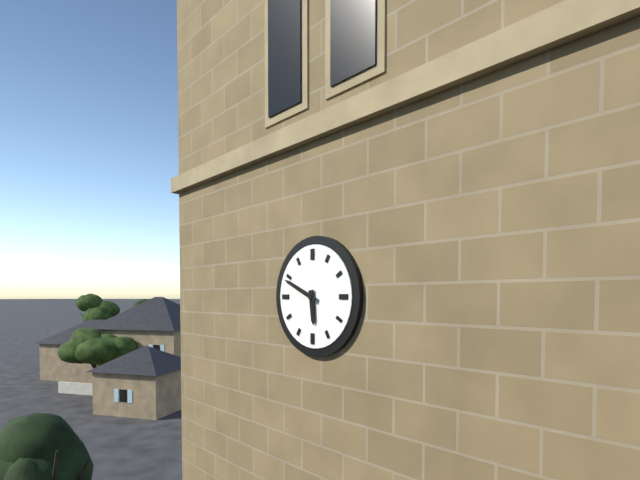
5:49
